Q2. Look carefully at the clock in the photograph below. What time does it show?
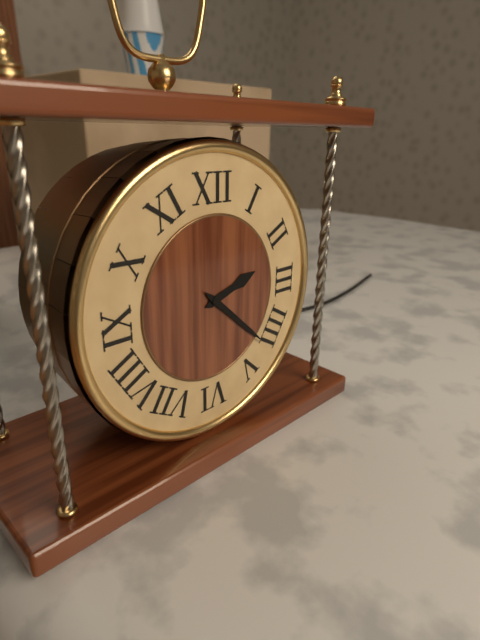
2:22
